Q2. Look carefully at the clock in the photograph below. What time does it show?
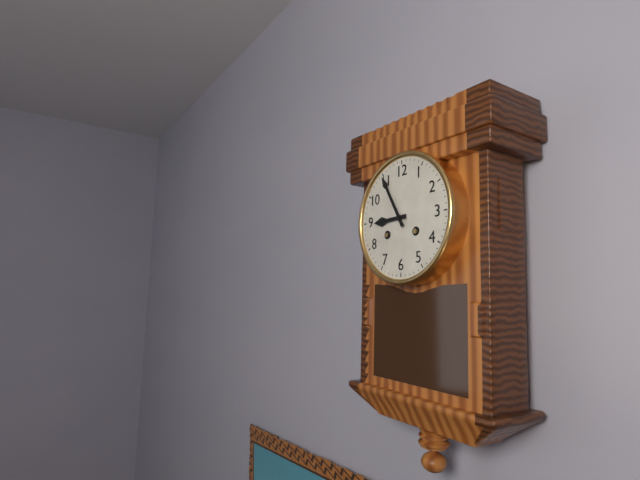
8:55
